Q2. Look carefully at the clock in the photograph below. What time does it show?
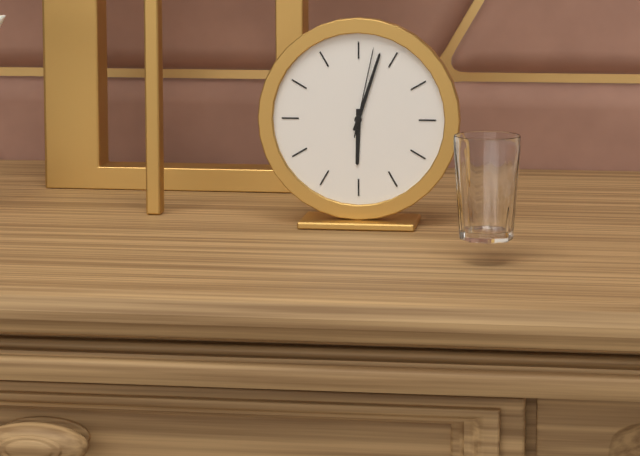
6:03:02
